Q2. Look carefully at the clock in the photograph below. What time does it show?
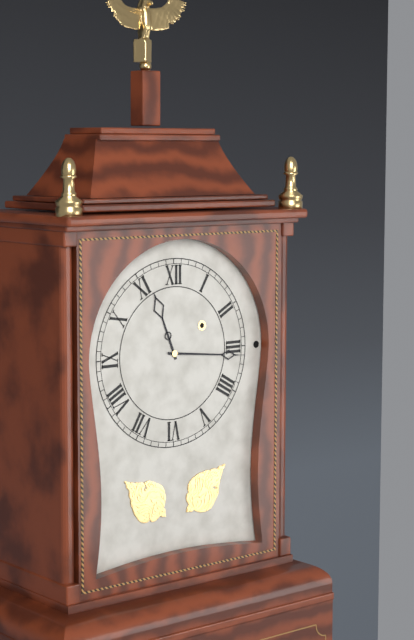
11:16
